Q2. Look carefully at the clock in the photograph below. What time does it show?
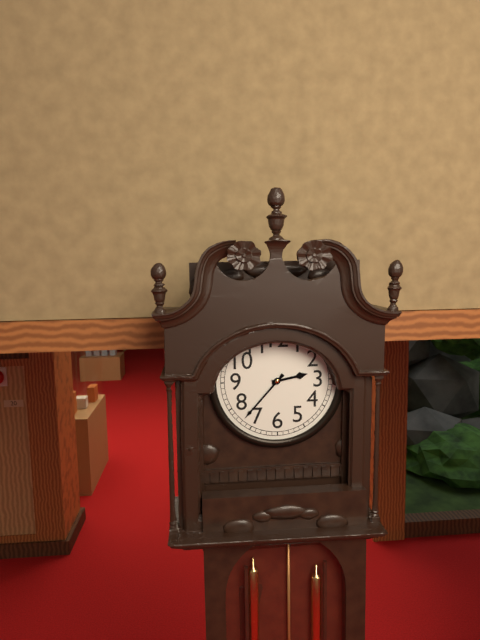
2:37
